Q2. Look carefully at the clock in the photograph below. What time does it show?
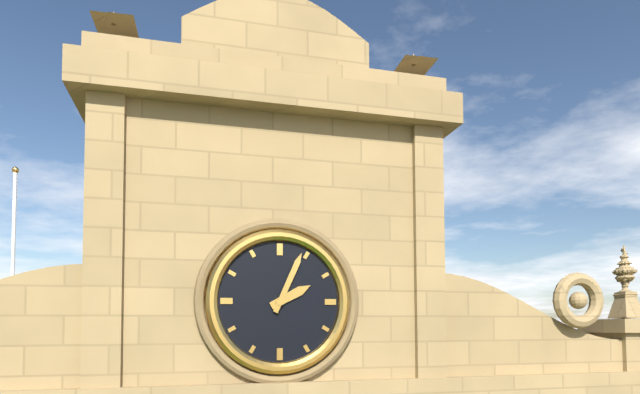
2:04
